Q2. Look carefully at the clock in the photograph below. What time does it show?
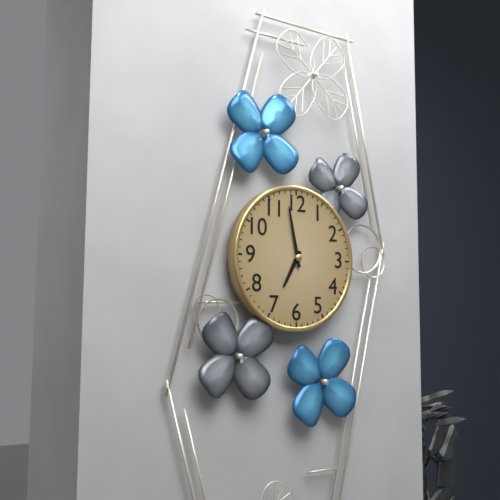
6:58
